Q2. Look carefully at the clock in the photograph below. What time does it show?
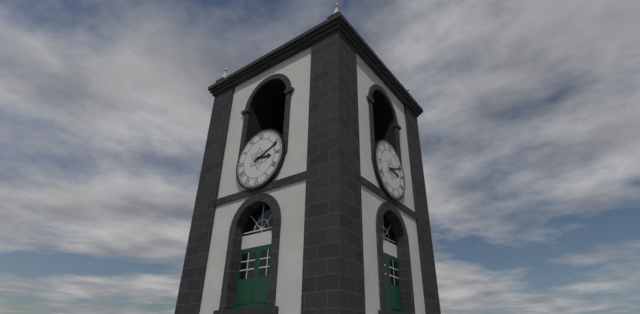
3:11
